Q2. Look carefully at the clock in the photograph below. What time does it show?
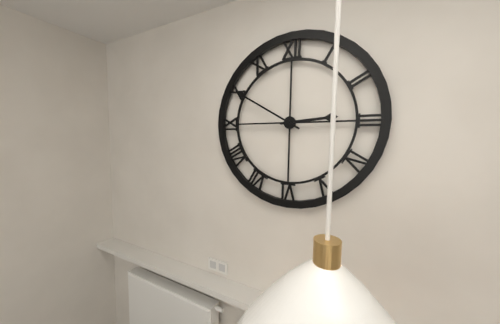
2:50
